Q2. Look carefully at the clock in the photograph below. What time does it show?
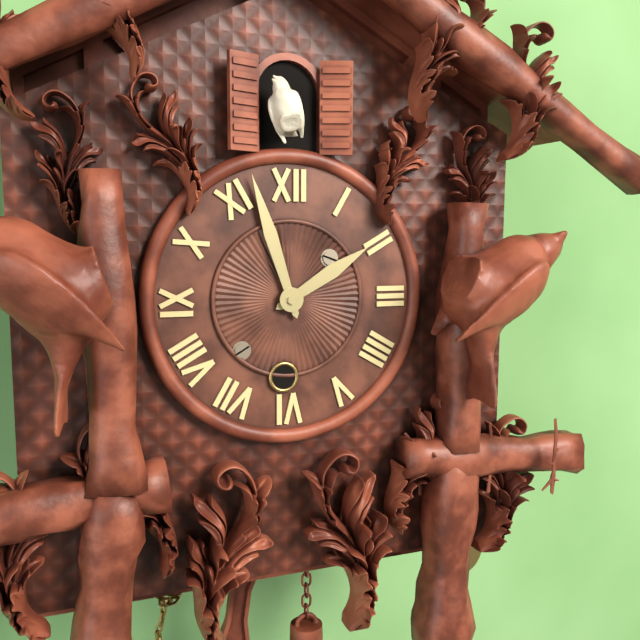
1:57
